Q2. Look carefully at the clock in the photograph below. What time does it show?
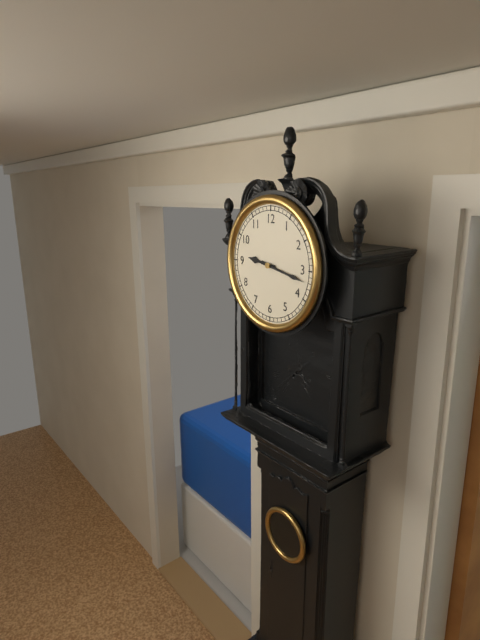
9:17
